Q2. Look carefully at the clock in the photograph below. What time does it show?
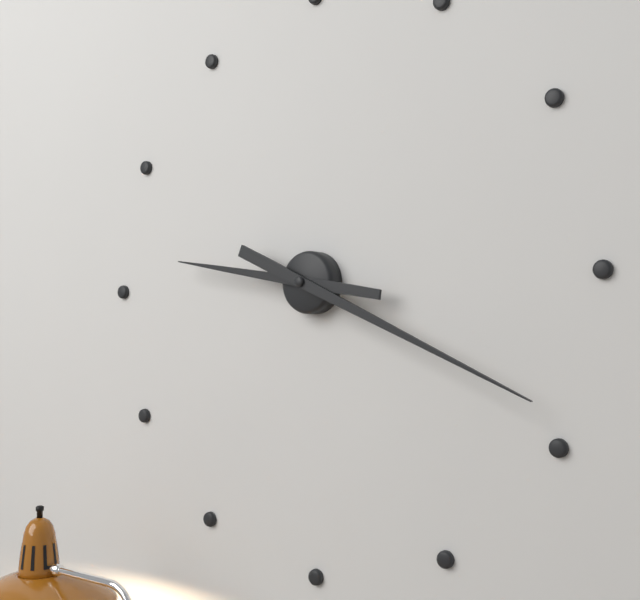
9:19
